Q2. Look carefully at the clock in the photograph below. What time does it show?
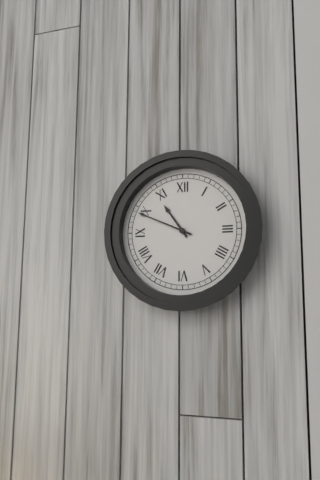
10:49
